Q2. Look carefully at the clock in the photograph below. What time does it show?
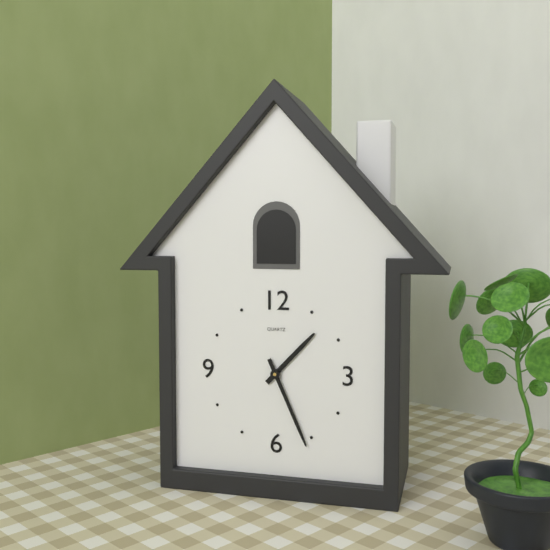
1:26
